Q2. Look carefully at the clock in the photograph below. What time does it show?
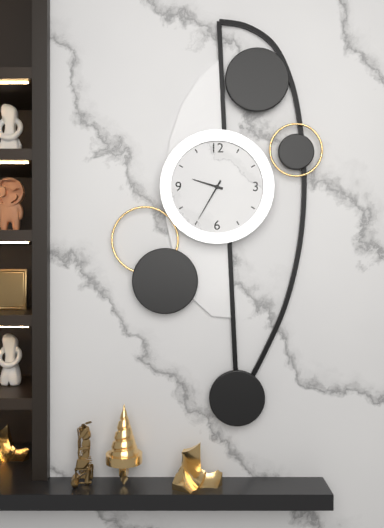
9:35
